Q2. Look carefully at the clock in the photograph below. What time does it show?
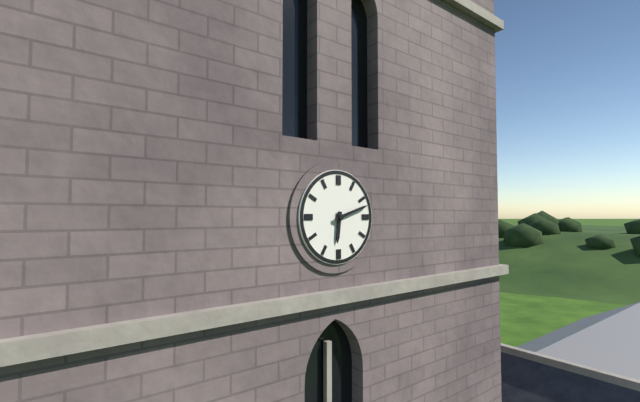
6:12
